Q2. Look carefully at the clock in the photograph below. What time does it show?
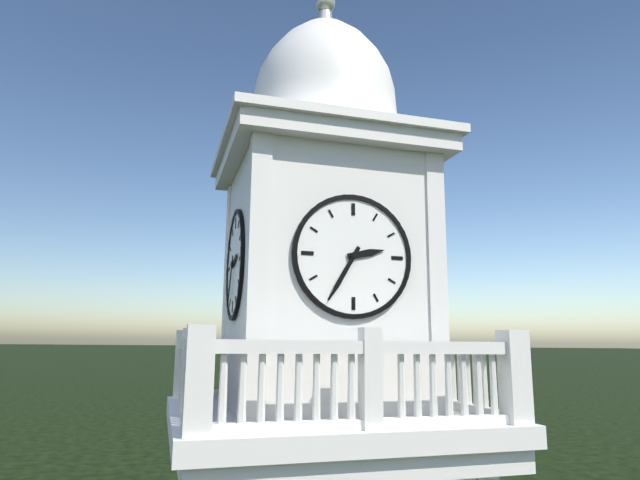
2:35
